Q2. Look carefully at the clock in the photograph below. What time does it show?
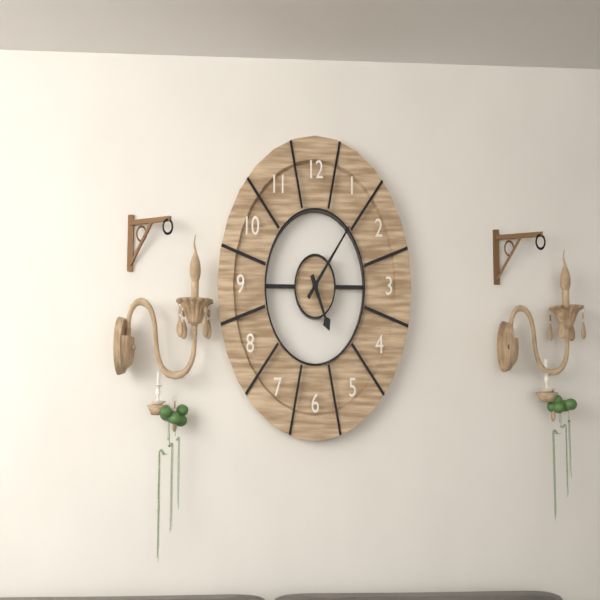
5:07
